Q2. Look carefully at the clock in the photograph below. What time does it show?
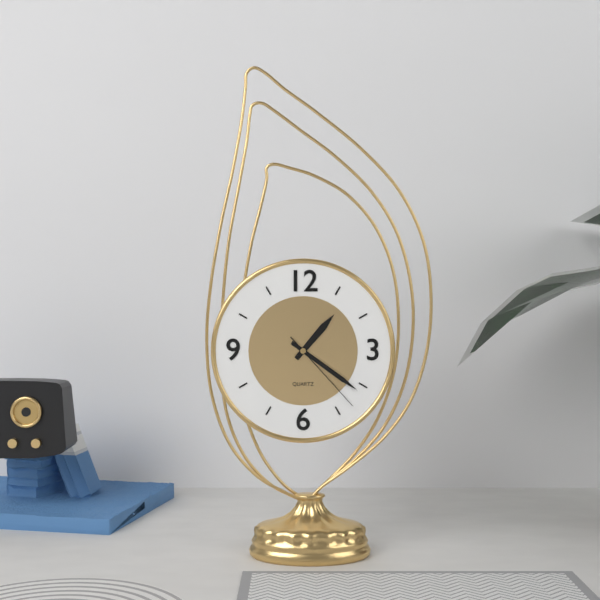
1:21:23
